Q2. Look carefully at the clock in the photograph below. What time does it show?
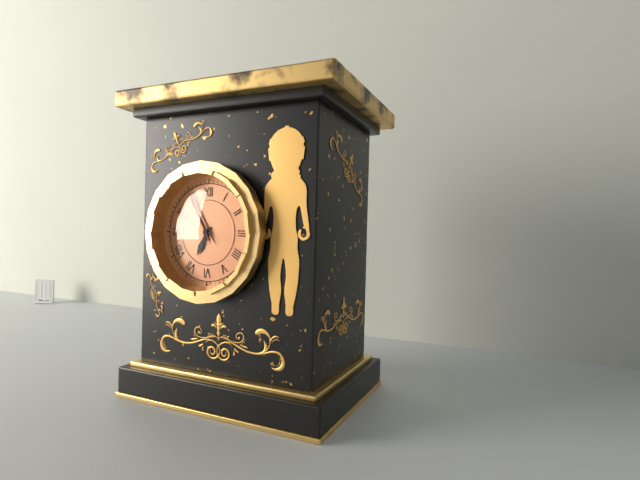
6:55:55
